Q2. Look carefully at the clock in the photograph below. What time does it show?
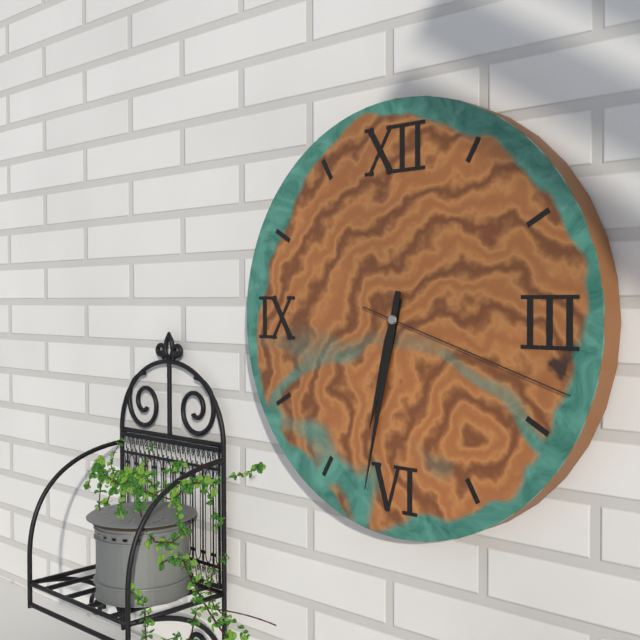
6:32:18
